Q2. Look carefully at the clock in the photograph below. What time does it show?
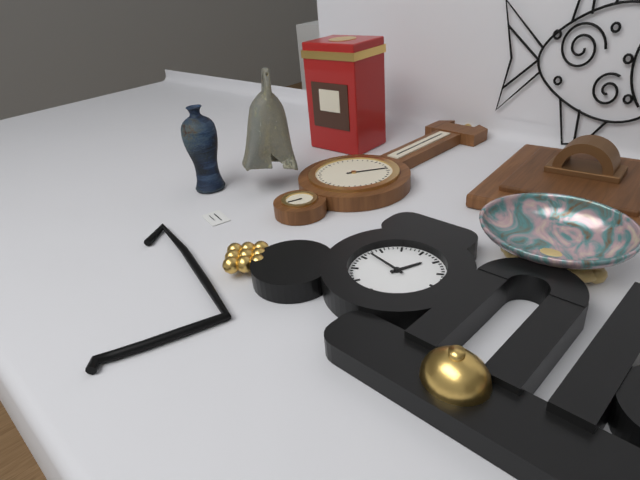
12:47
